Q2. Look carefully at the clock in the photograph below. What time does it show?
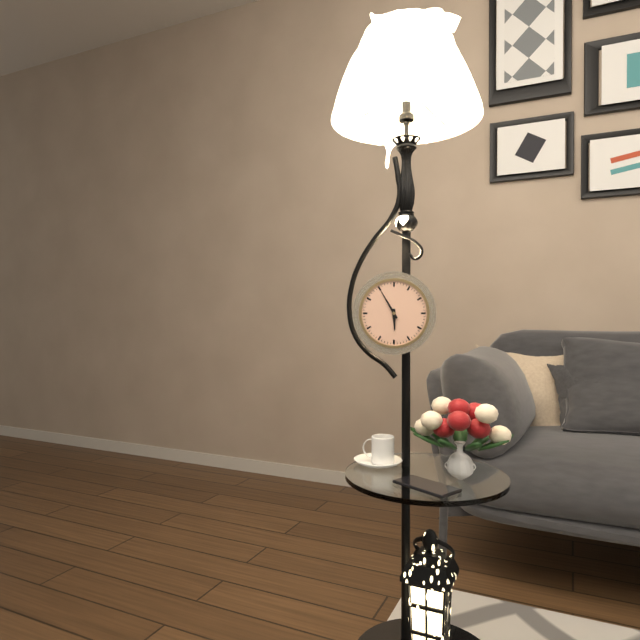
5:55
